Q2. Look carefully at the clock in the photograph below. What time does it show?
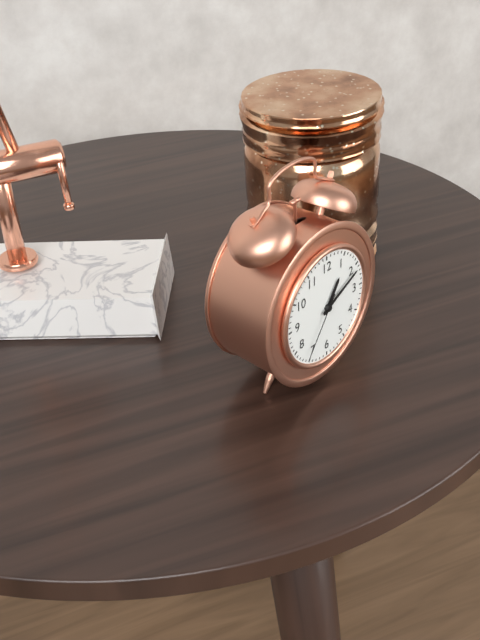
1:11:36
